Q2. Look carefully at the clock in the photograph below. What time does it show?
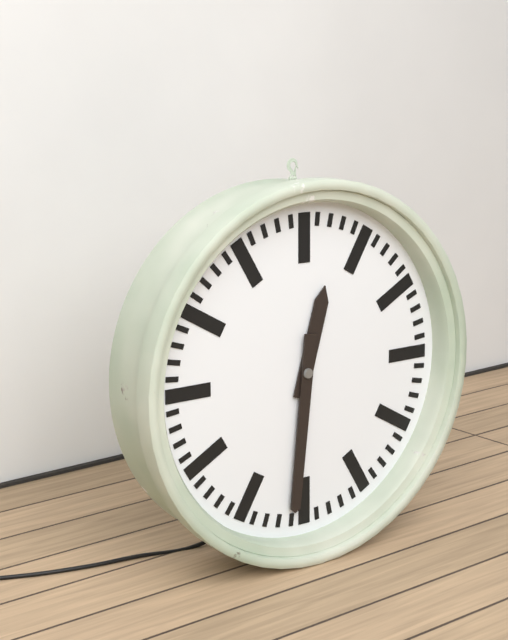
12:31
